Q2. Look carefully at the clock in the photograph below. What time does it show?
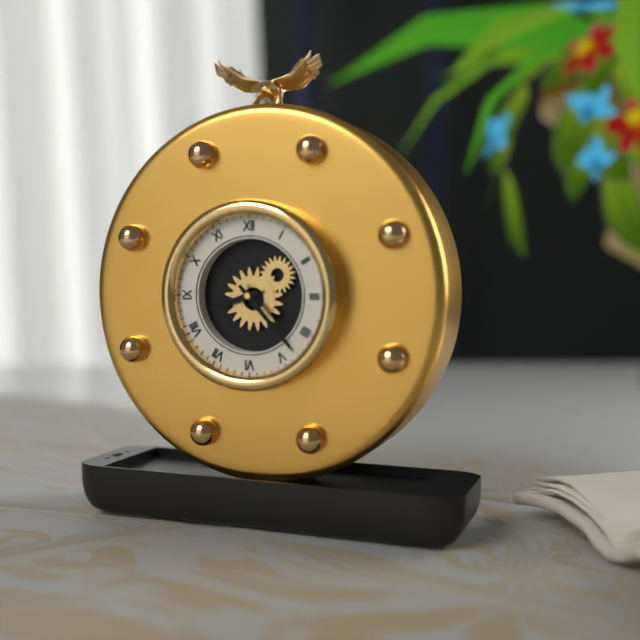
8:23
